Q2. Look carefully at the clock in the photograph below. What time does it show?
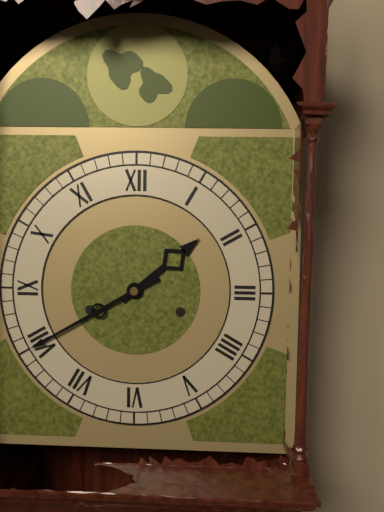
1:40
